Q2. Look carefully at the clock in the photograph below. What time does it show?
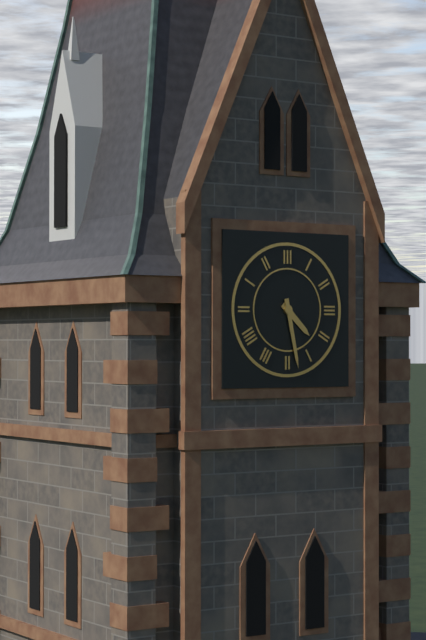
4:28
